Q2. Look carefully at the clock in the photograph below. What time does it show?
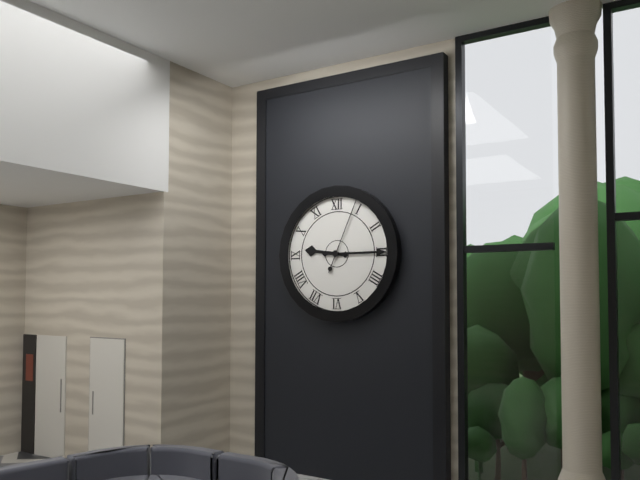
9:15:04
